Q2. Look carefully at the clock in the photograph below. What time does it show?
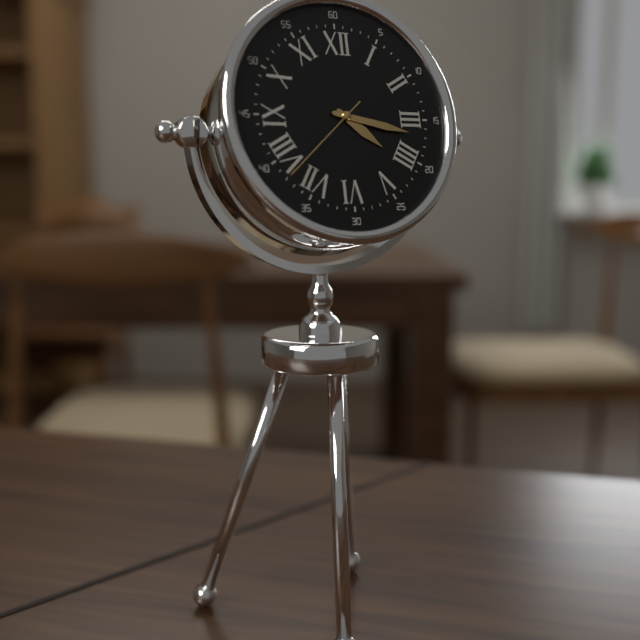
4:17:38
